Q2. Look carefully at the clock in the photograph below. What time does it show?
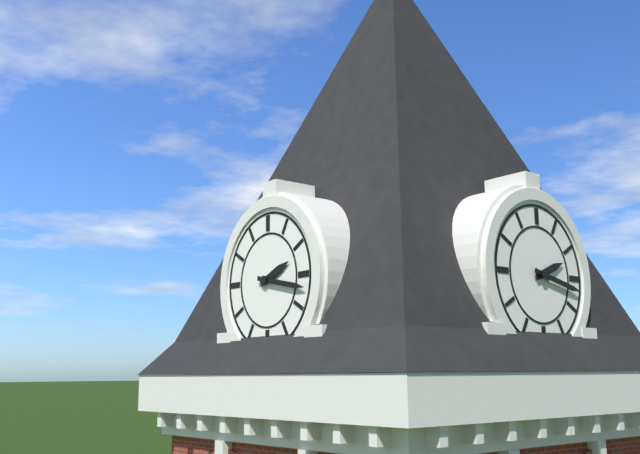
2:17
